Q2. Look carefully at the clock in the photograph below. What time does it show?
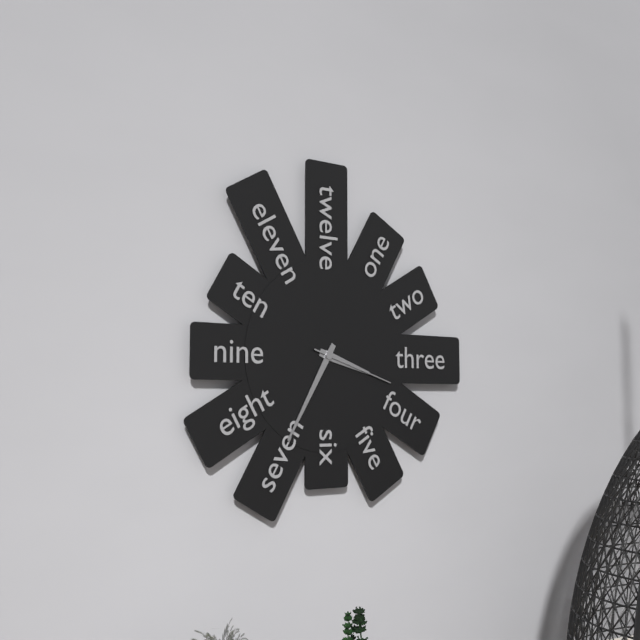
3:35:18
